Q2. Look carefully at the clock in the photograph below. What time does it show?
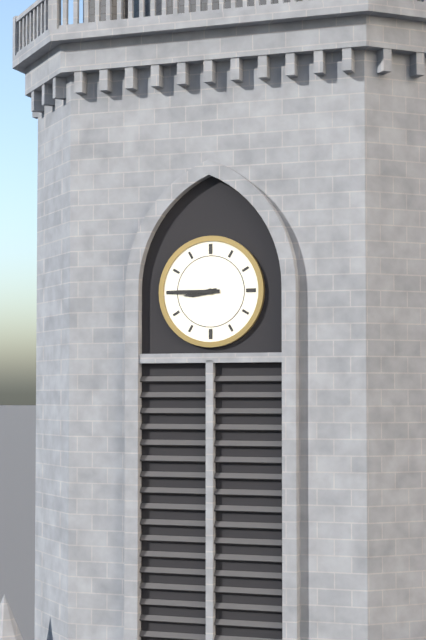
8:45
